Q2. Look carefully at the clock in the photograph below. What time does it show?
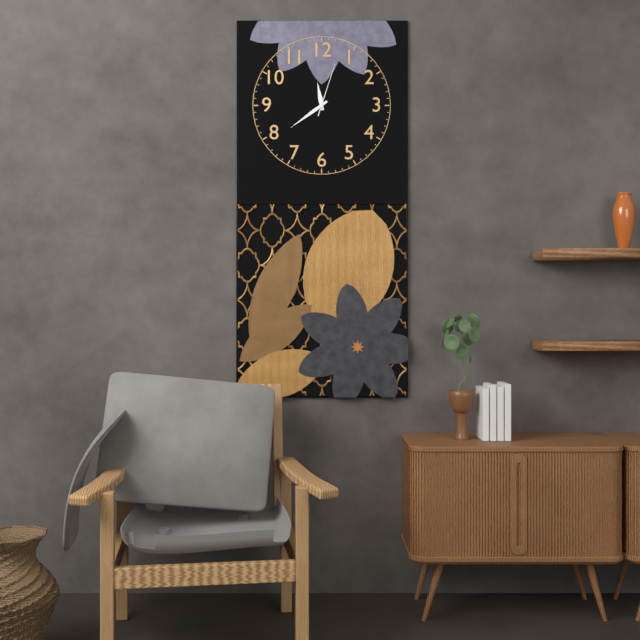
11:39:03
